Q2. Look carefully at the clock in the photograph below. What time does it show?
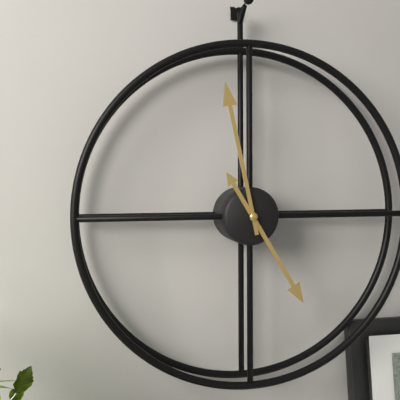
4:58
